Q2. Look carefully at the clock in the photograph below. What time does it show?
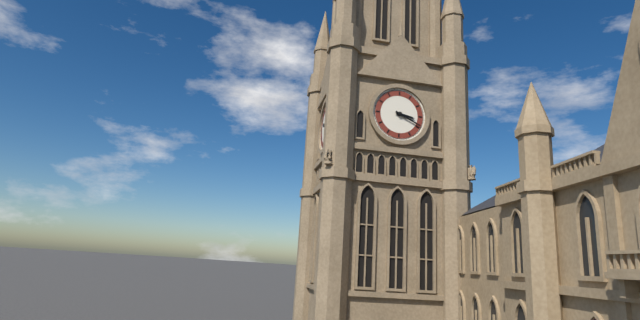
3:19
